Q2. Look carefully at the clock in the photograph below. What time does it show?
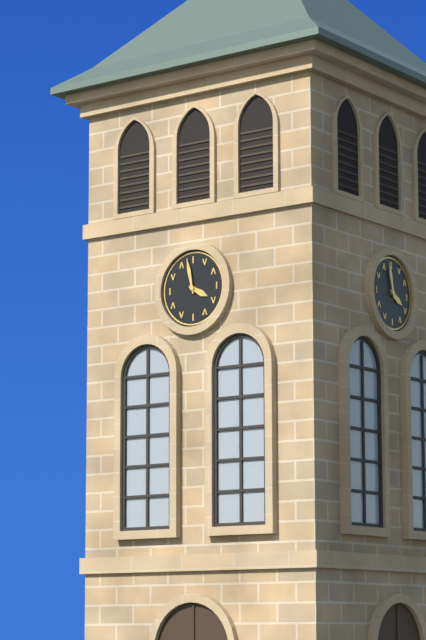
3:58
